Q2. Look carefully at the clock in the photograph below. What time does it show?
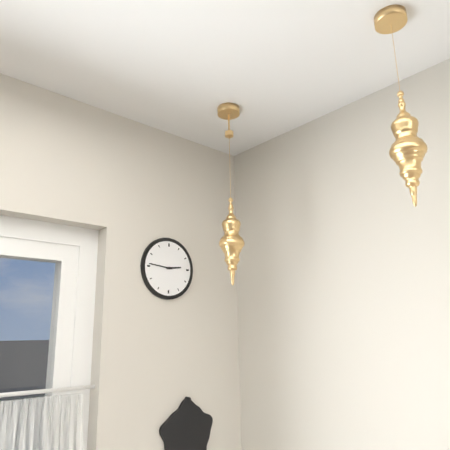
2:46
